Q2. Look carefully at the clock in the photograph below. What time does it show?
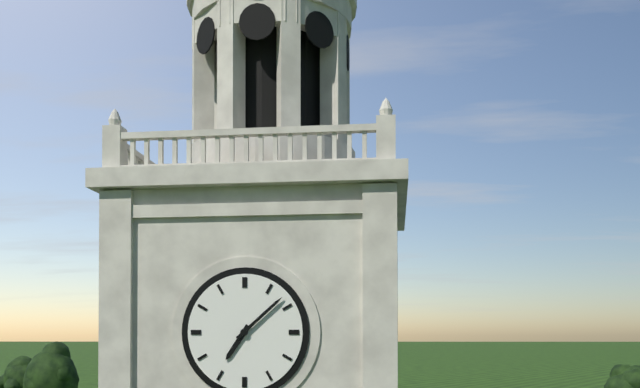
7:08
